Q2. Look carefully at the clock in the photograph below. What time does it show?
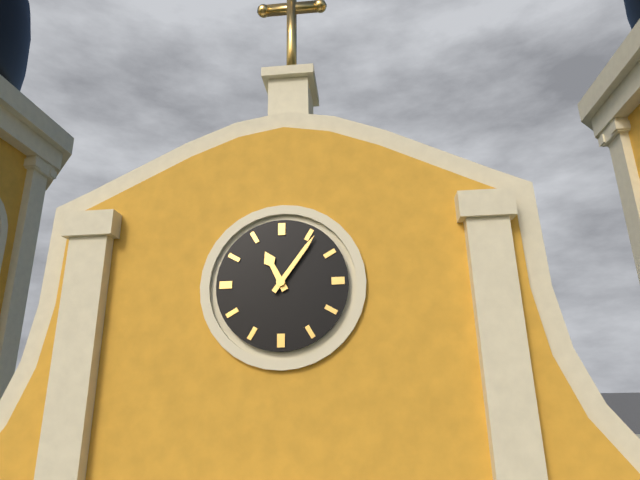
11:06
